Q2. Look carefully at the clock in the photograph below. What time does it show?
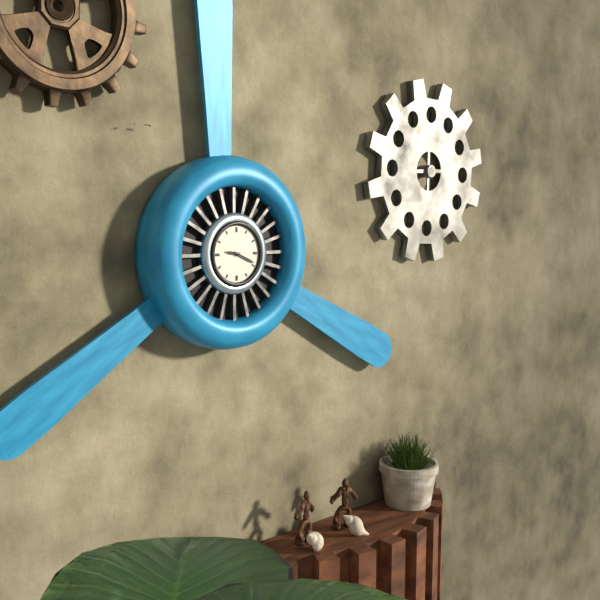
9:19
